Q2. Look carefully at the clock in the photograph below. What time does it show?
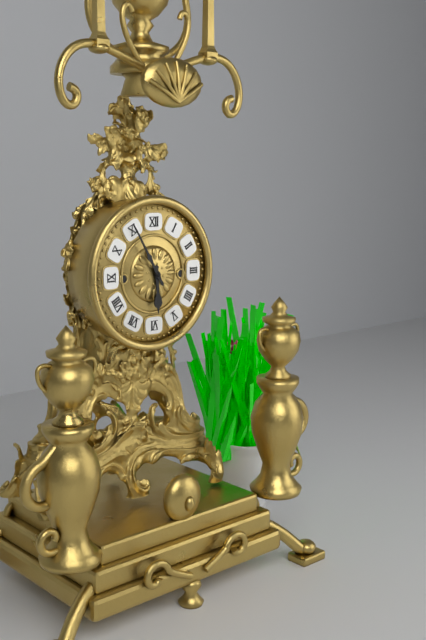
5:55
